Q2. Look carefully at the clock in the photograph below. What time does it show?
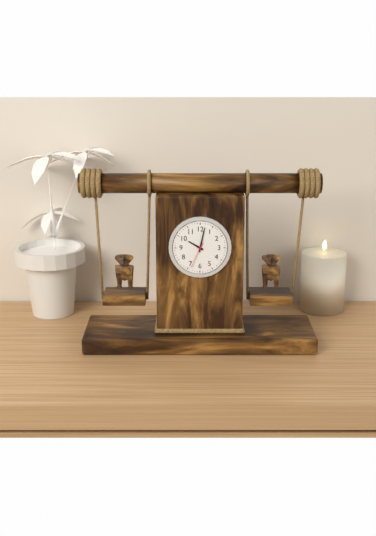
10:02
